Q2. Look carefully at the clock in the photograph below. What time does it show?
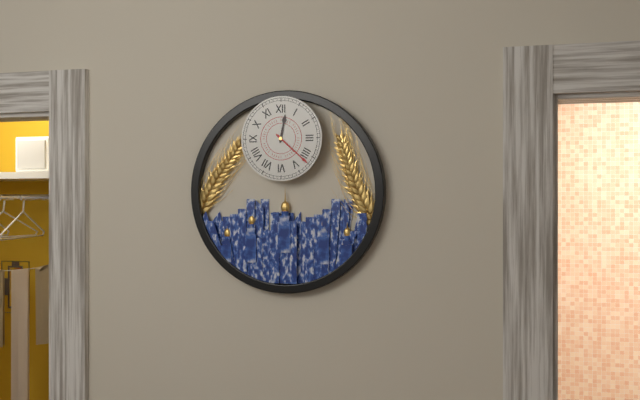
12:22
